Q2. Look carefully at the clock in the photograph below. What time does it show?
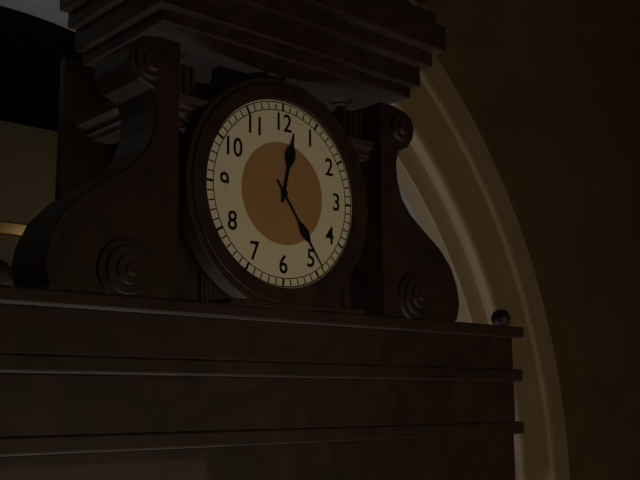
12:24
